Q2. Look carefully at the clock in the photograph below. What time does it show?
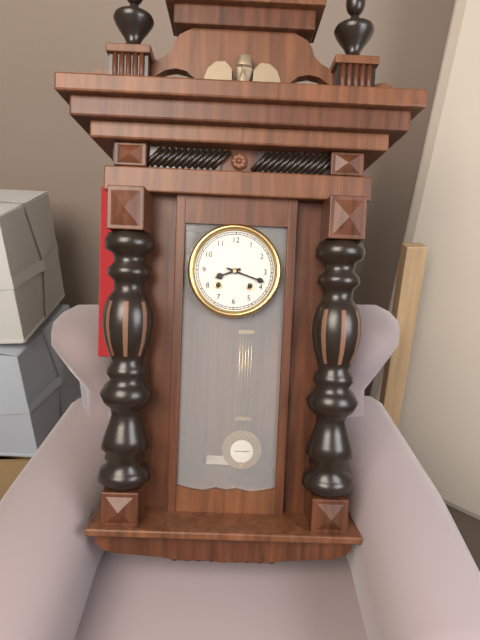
8:18
